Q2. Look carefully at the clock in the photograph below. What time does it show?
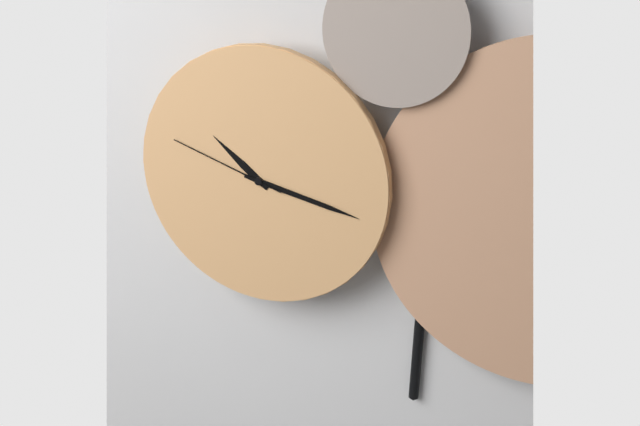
10:17:48
